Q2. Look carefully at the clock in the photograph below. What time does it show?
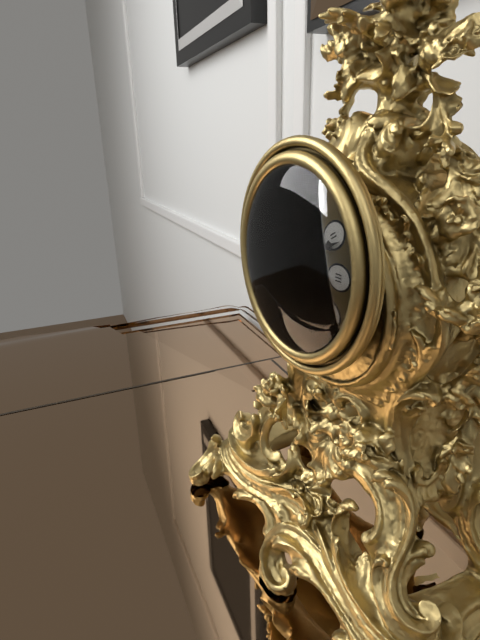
10:11:05
